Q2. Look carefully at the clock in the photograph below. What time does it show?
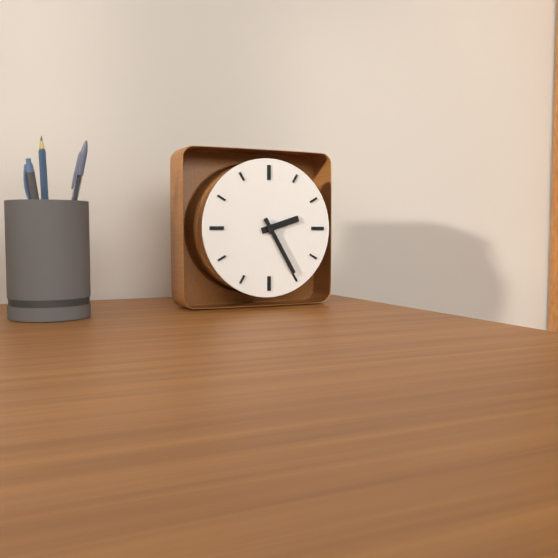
2:25
